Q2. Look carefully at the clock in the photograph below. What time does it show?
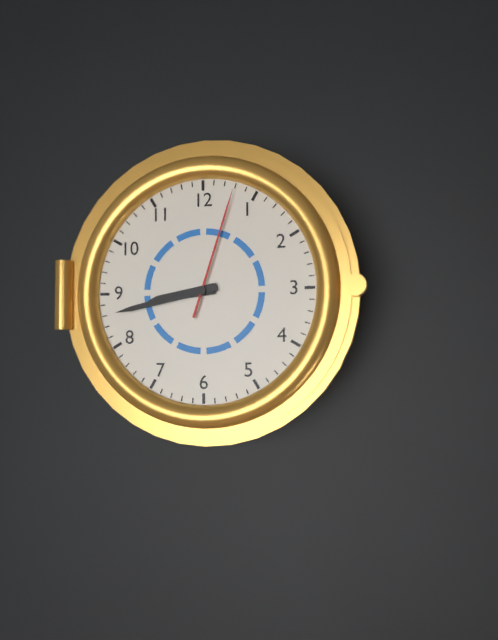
8:43:03
